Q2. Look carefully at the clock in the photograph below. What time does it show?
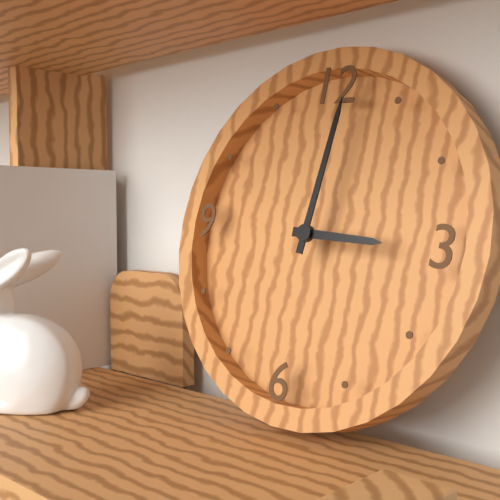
3:01
